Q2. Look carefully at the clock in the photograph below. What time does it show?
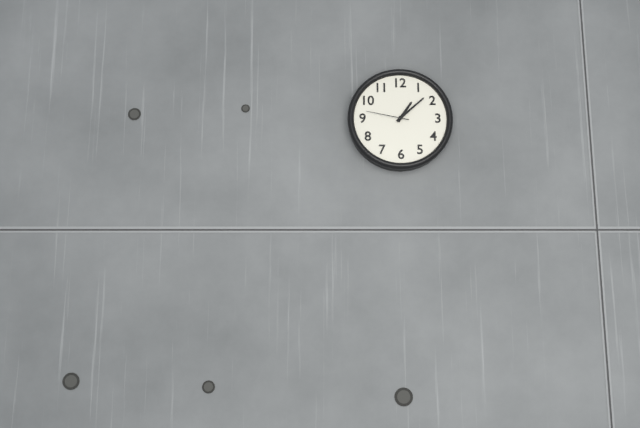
1:08
